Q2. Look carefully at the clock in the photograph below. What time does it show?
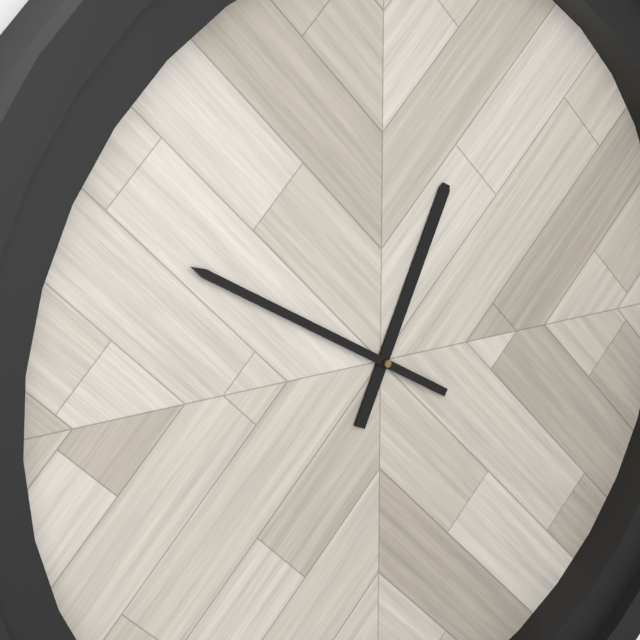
12:50
